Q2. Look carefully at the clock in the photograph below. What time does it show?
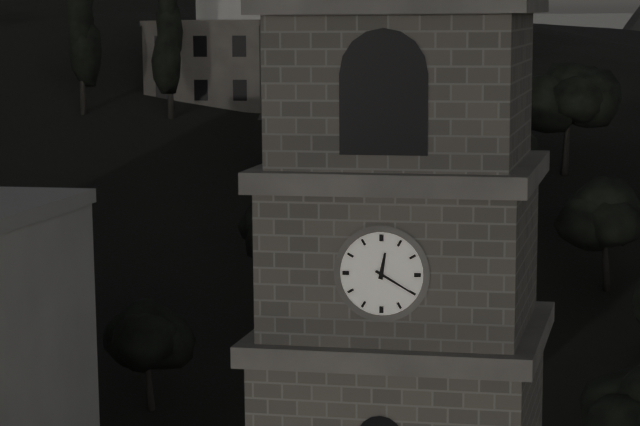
12:20
